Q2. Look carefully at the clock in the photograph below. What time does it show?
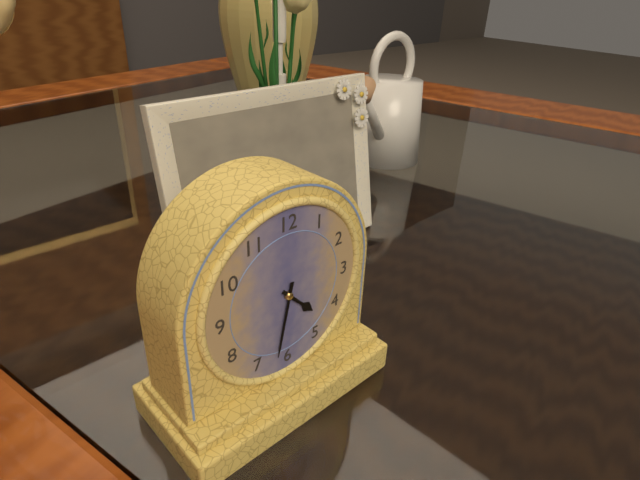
4:32
